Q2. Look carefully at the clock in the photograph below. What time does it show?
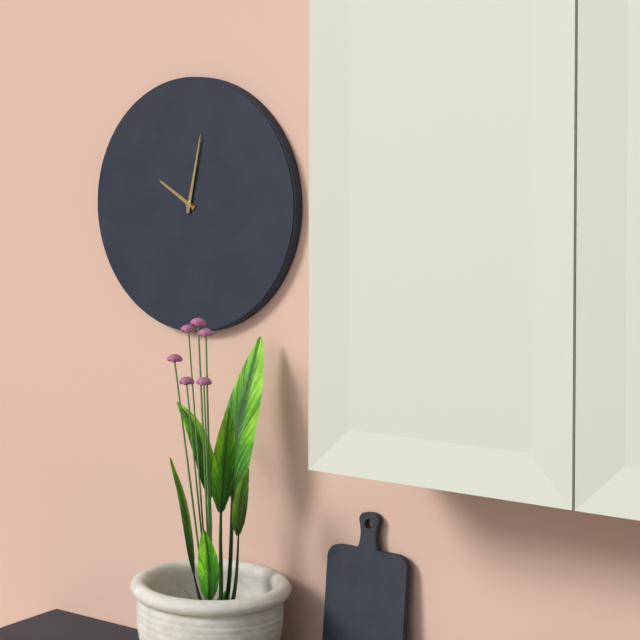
10:02
